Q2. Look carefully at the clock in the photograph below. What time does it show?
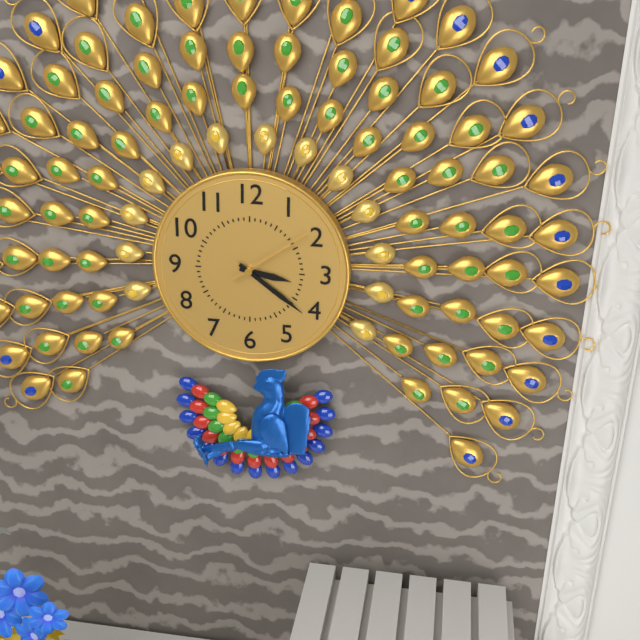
3:21:09
